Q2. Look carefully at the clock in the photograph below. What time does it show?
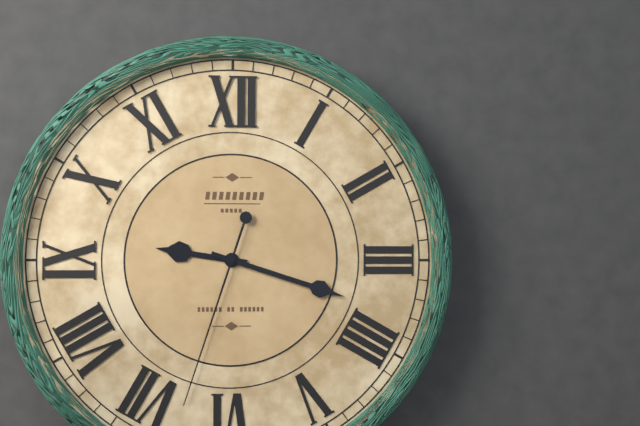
9:18:33
